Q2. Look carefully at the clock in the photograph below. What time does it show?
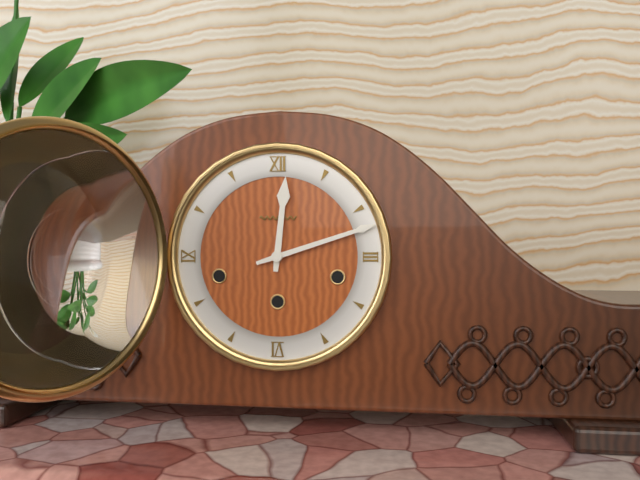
12:12
